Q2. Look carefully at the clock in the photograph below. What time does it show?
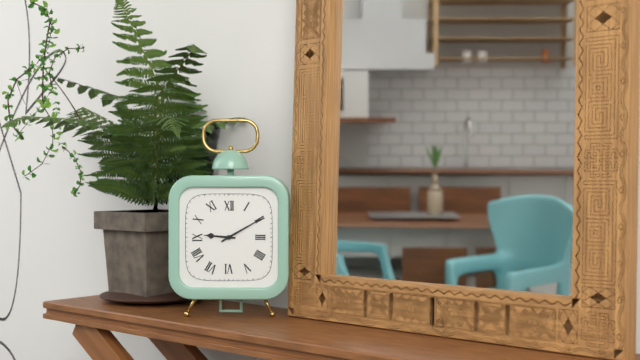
9:10
